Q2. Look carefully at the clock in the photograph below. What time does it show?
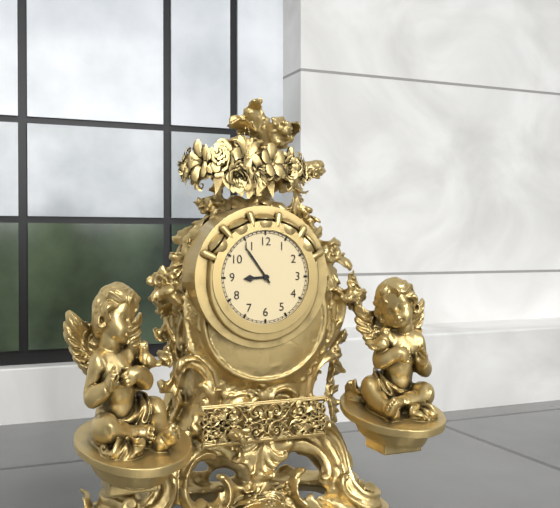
8:54
